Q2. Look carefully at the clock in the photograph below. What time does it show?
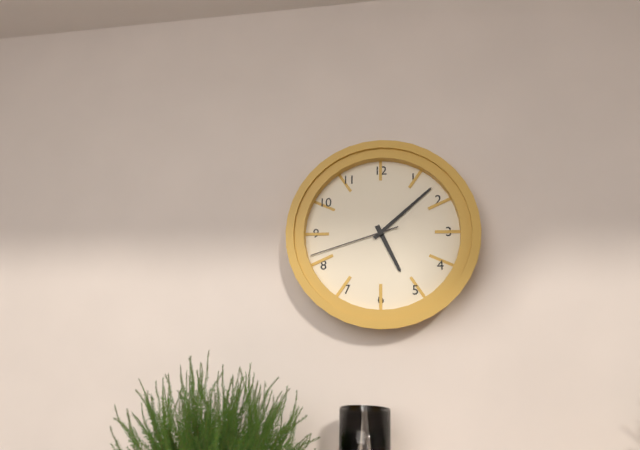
5:08:42
